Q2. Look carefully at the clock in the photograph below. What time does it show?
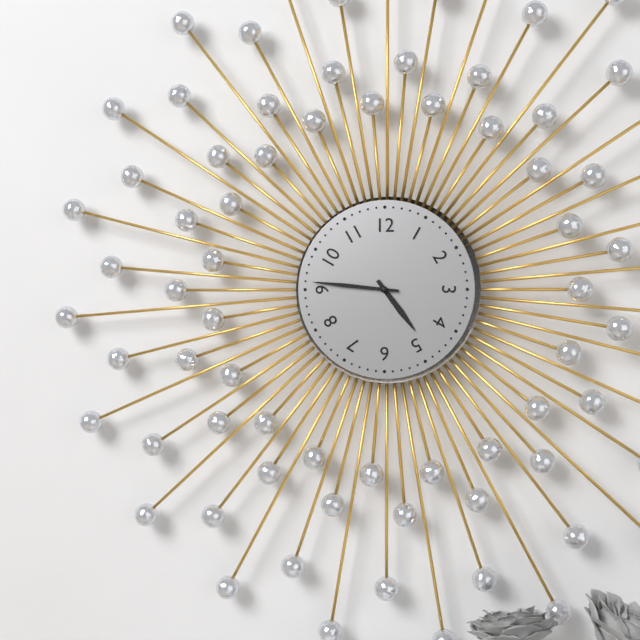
4:46
